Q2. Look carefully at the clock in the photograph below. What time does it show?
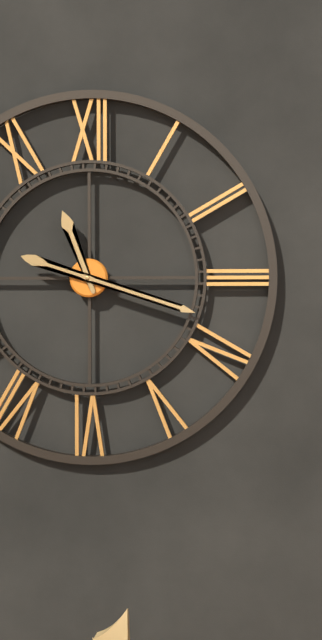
11:18
